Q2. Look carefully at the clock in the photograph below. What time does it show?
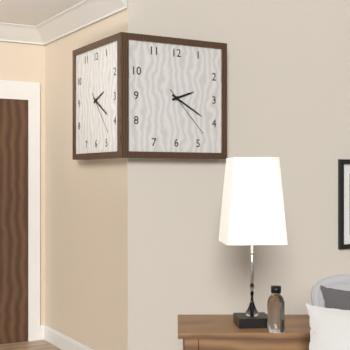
2:20:23
